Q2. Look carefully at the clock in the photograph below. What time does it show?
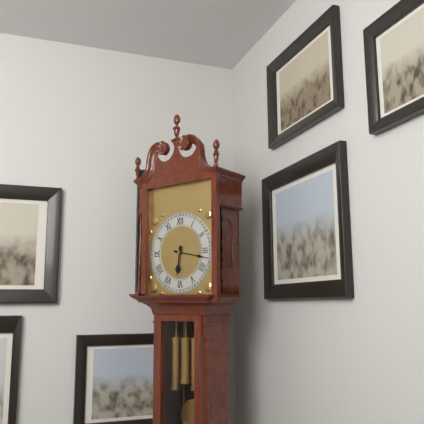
6:17
